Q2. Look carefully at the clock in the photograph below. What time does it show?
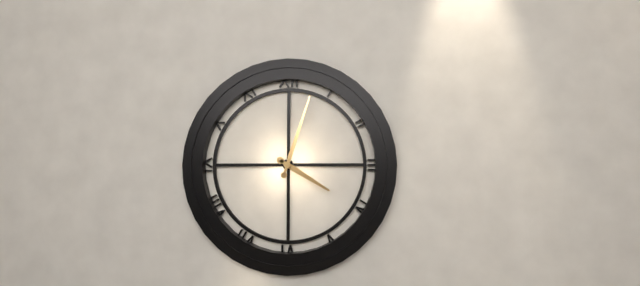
4:03
